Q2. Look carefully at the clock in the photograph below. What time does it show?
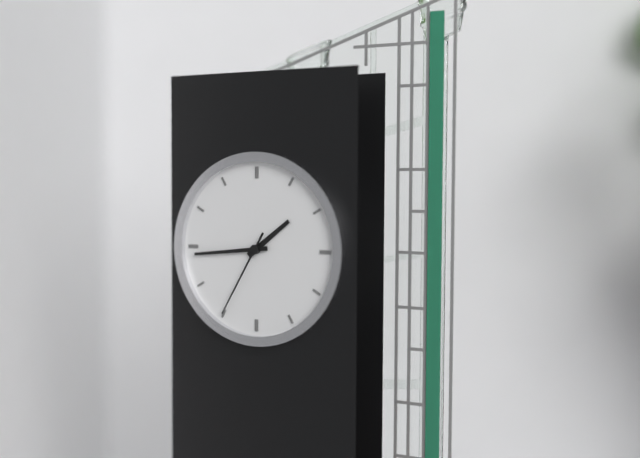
1:44:35
